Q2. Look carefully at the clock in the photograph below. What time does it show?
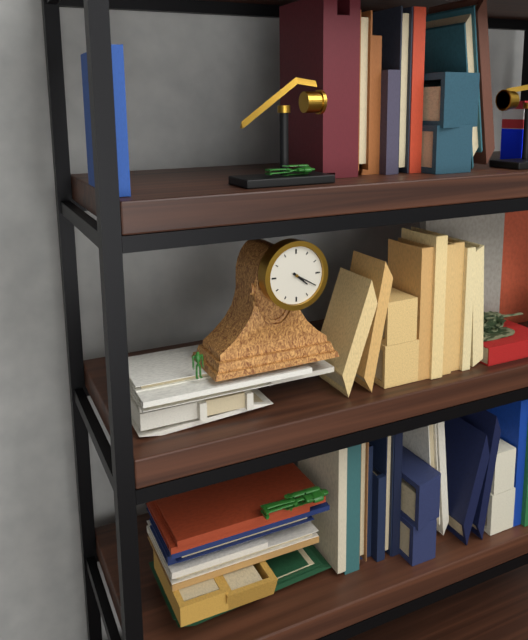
4:20
